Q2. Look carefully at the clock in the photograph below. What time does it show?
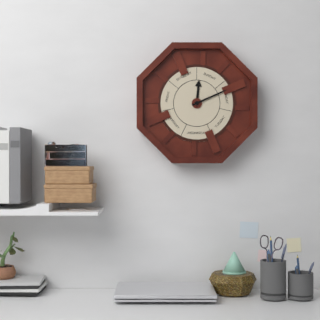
12:11
